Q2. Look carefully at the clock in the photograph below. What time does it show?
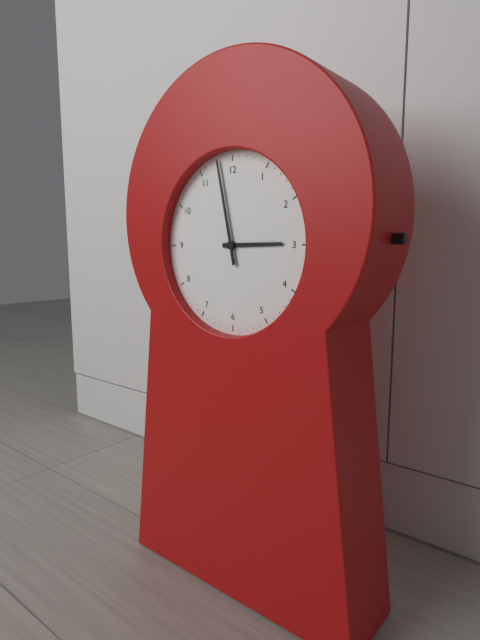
2:58
